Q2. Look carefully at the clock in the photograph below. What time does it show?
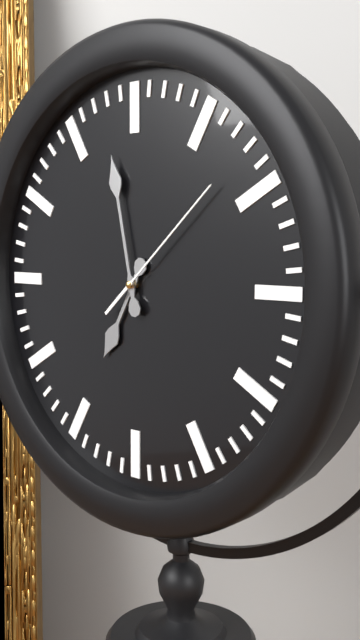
6:58:08
